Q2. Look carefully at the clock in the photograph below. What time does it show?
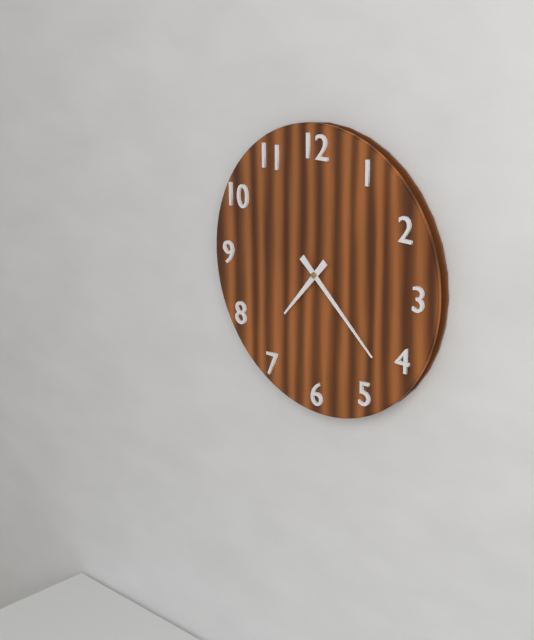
7:22
